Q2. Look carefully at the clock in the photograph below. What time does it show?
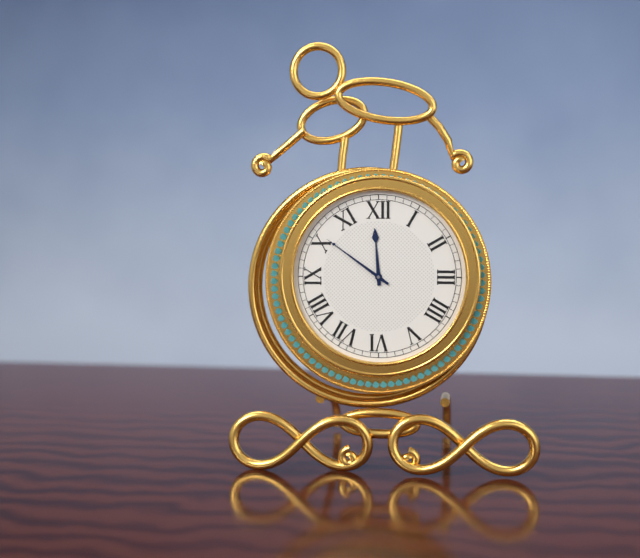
11:51
